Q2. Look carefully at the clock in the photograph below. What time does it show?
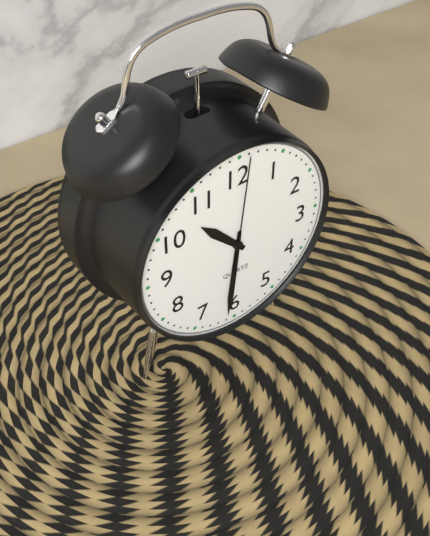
10:31:01
